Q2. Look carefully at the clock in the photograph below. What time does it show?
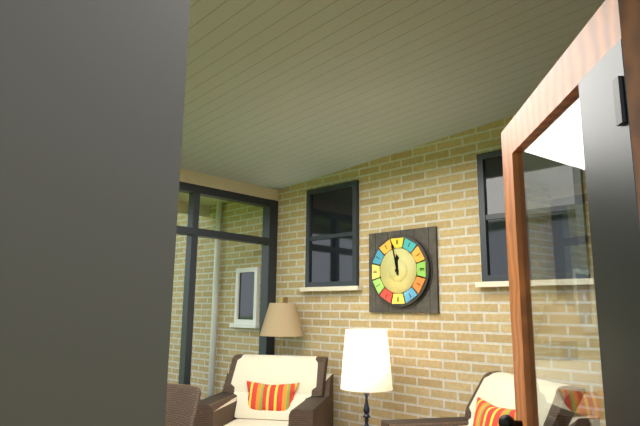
11:58
